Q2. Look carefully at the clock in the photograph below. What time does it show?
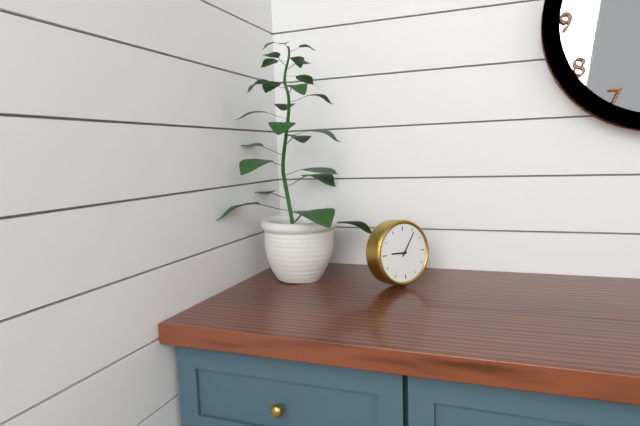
9:06
